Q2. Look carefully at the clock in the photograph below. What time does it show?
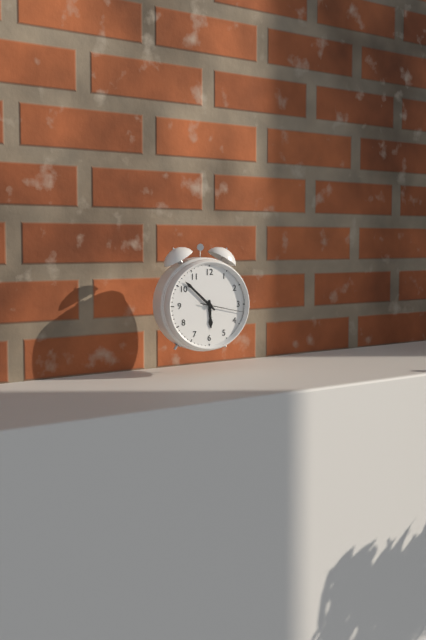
5:52
